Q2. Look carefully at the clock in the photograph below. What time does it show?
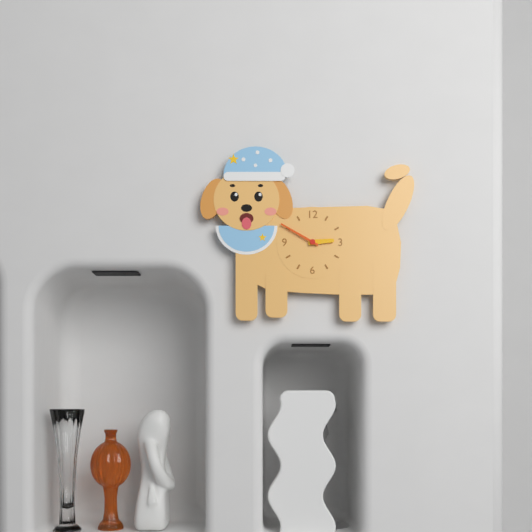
2:50
